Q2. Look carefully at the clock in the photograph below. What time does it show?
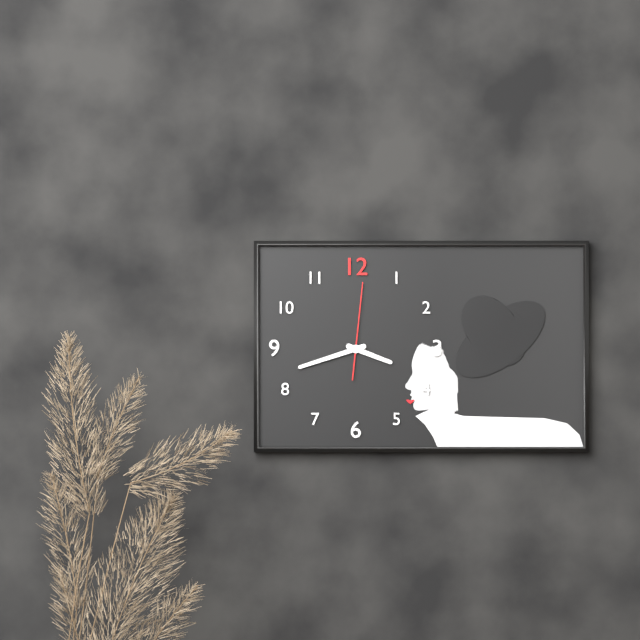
3:42:01
